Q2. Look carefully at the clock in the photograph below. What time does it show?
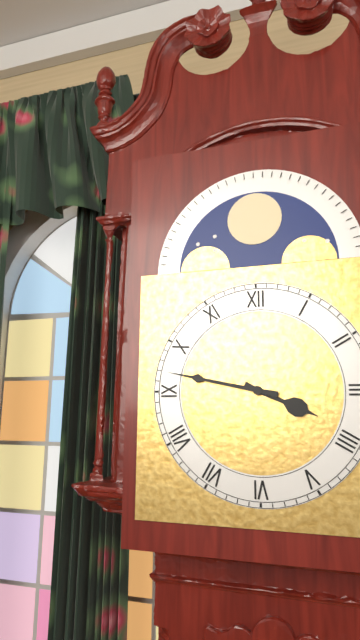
3:47
